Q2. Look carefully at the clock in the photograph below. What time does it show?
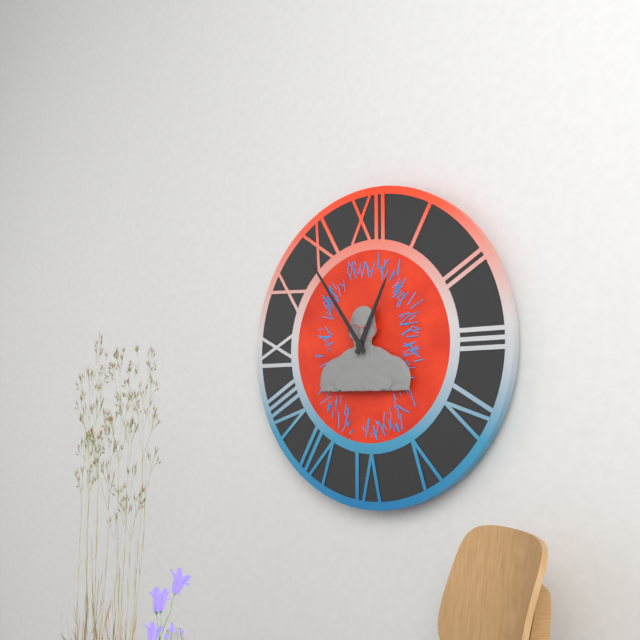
12:54
